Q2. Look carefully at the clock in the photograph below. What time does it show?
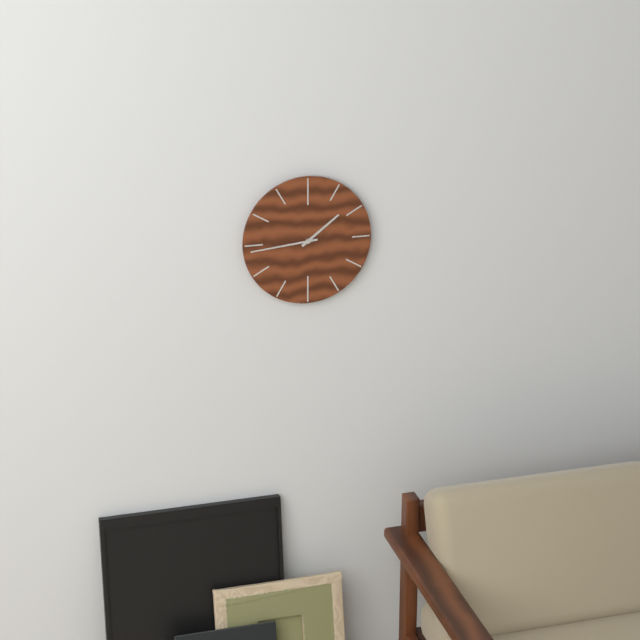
1:44
